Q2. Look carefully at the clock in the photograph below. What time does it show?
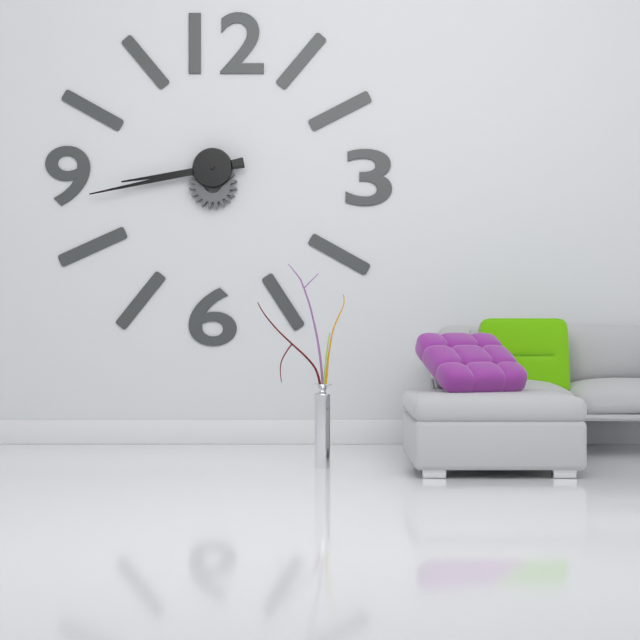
8:43
